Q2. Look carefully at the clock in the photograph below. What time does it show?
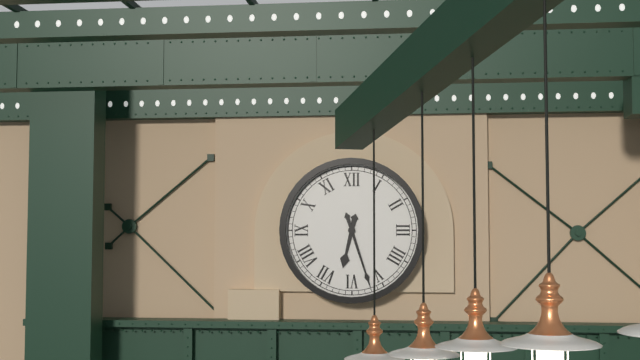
6:27
